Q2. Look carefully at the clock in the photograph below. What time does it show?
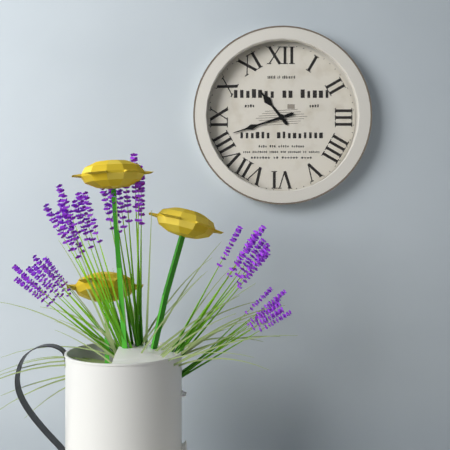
10:42
